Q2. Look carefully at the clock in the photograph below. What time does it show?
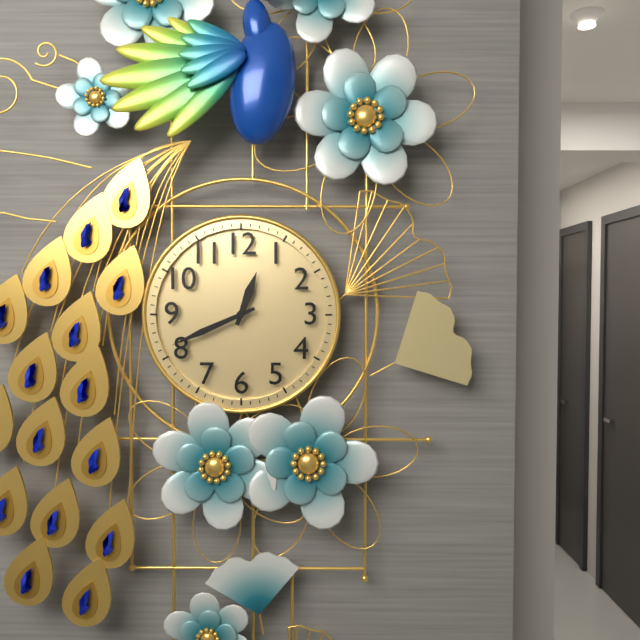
12:41
